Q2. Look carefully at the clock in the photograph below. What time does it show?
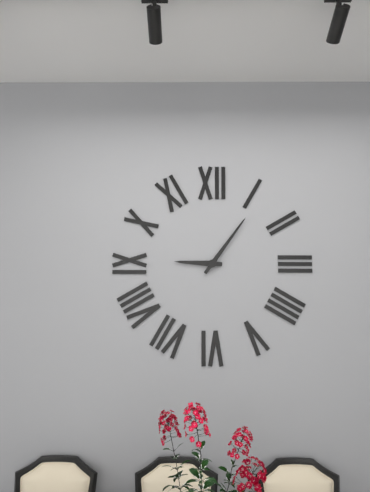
9:06
